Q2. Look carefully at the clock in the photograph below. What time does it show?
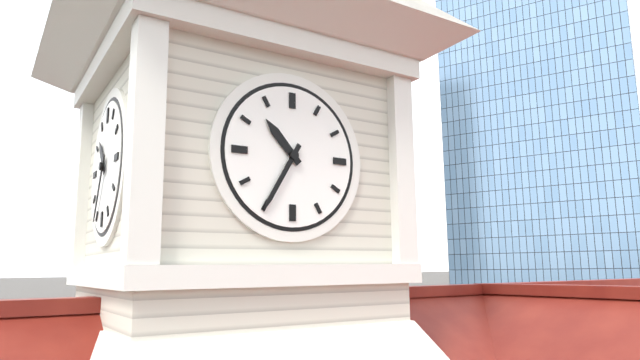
10:35
